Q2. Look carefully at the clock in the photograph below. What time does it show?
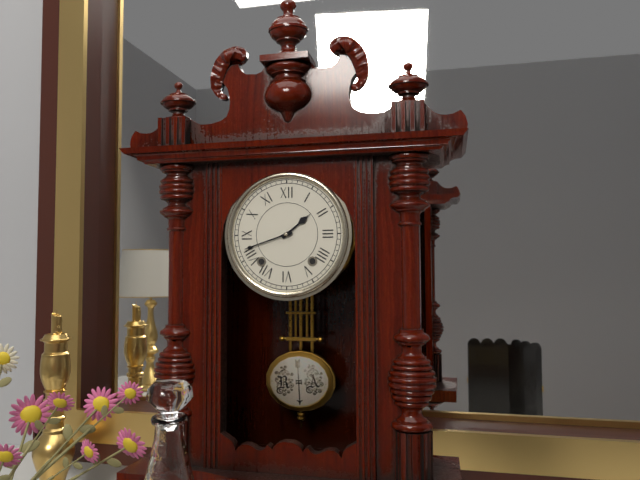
1:42
